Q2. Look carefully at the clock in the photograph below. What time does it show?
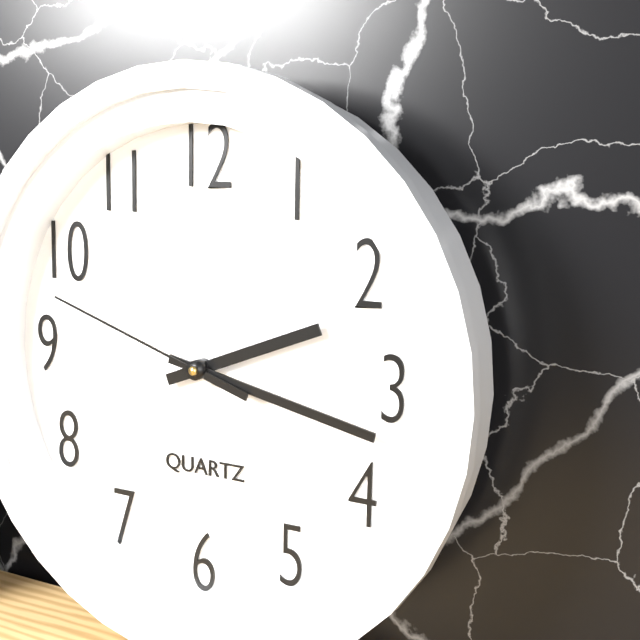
2:17:48
